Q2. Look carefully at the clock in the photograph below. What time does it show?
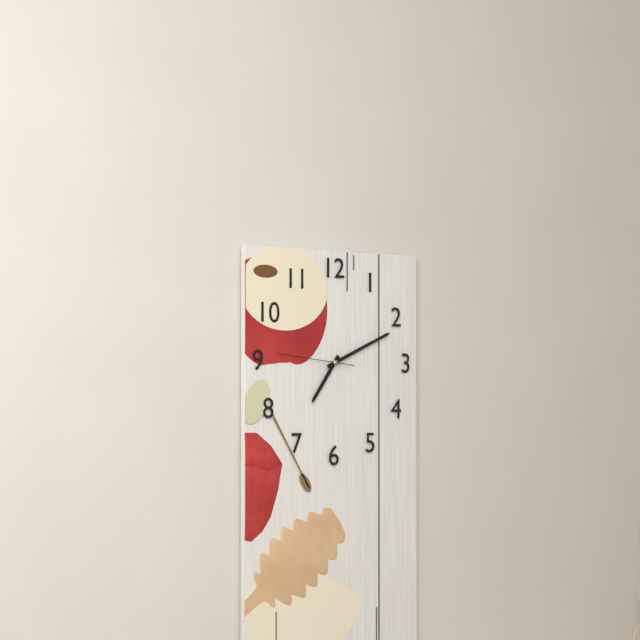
7:11:46
